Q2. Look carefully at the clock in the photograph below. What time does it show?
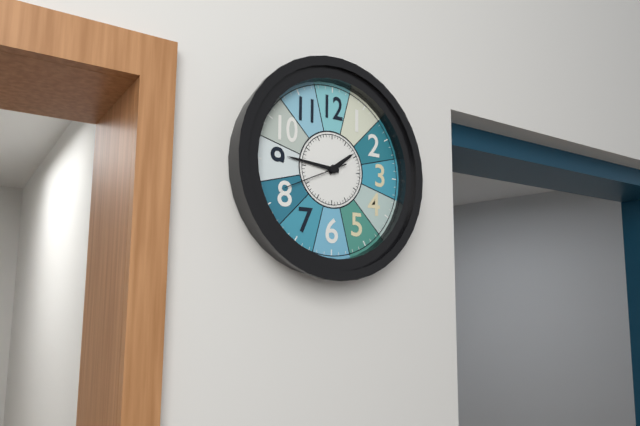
1:46:41
